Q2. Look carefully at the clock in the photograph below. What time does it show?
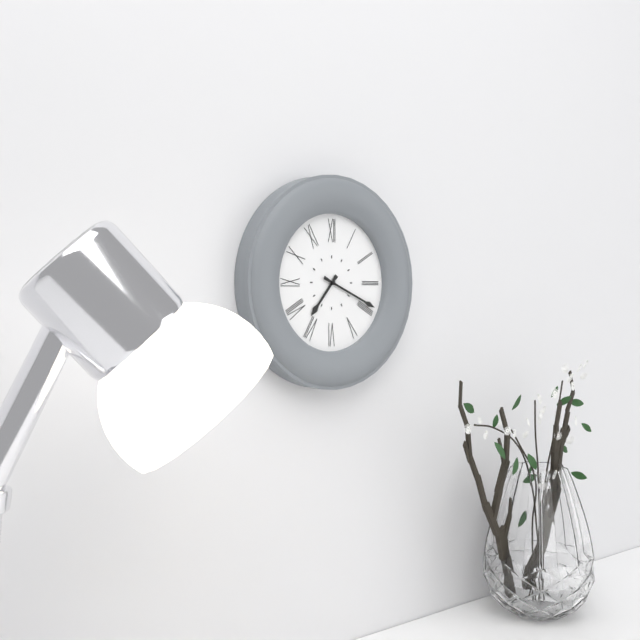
7:19
